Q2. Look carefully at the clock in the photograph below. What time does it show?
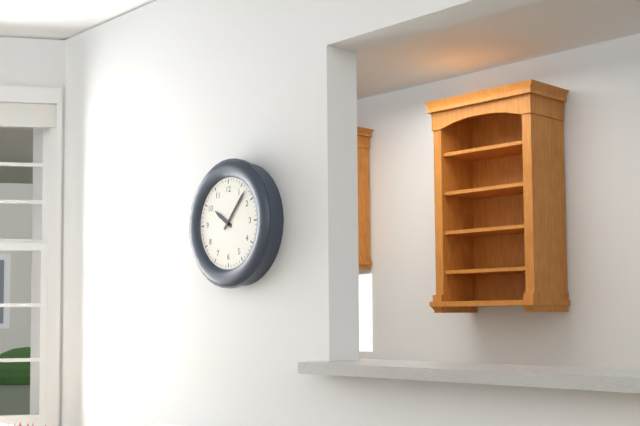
10:07
